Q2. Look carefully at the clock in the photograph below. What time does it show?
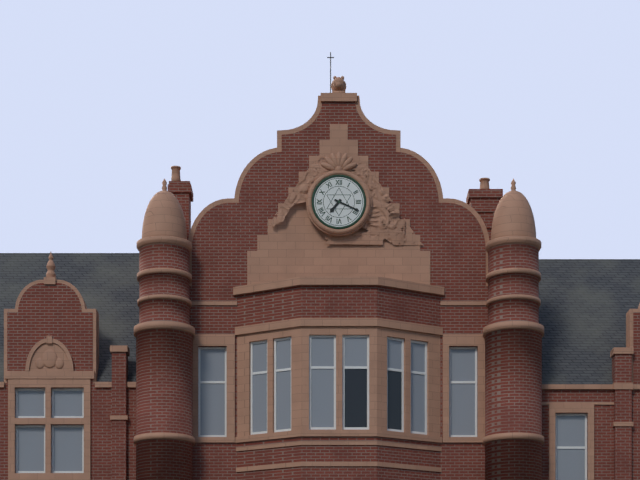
7:19
